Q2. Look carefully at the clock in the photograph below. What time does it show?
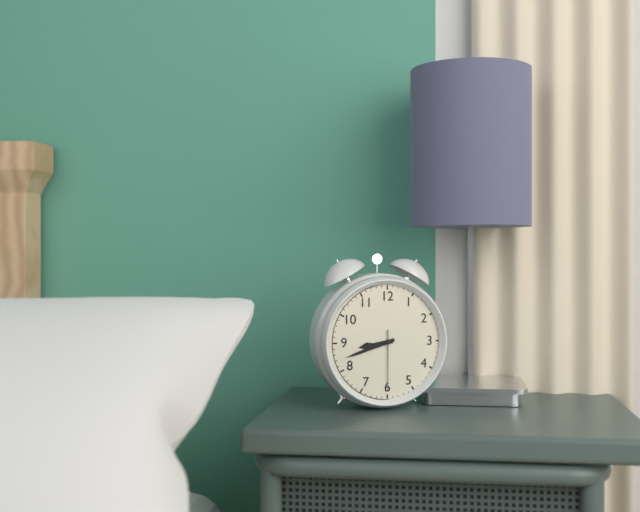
8:42:30
